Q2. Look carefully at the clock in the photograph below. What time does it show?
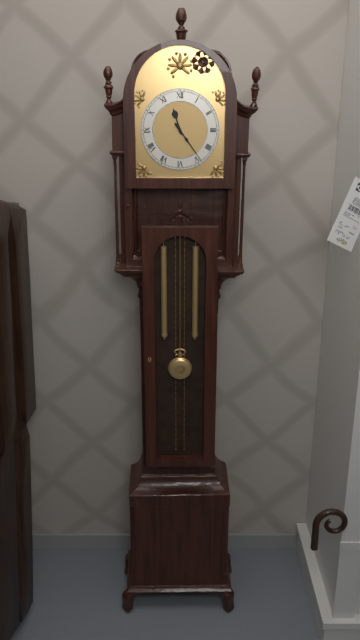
11:24
